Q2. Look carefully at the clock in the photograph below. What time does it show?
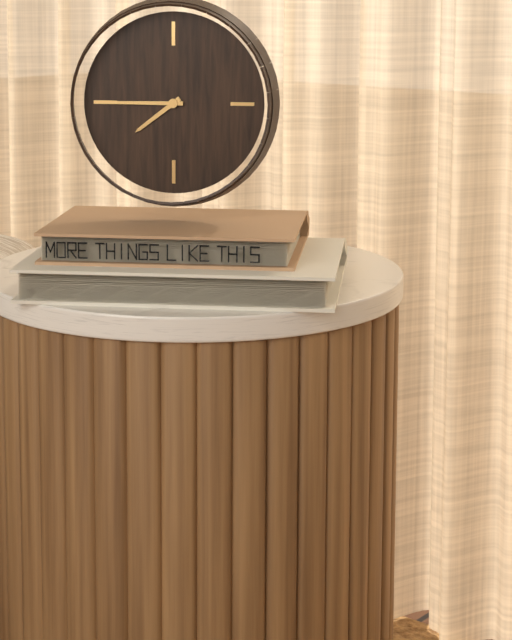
7:45
